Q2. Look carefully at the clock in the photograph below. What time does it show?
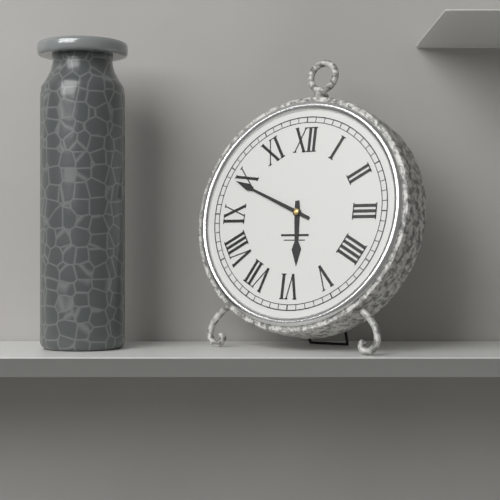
5:49
